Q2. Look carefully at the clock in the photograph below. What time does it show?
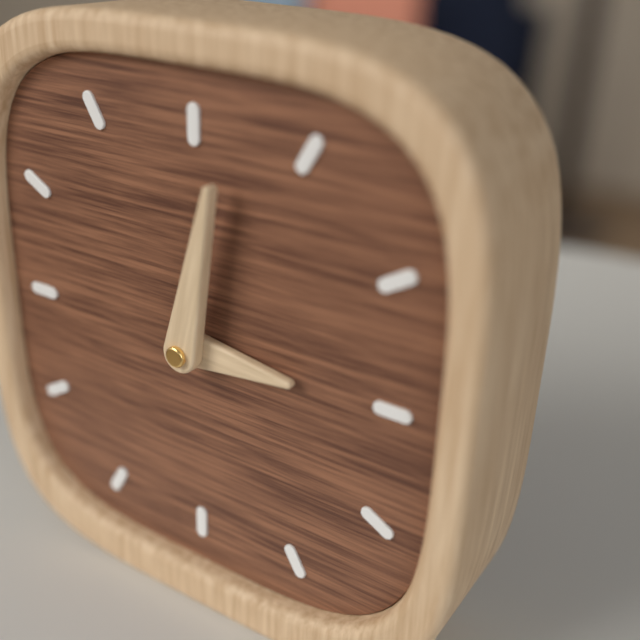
3:02
